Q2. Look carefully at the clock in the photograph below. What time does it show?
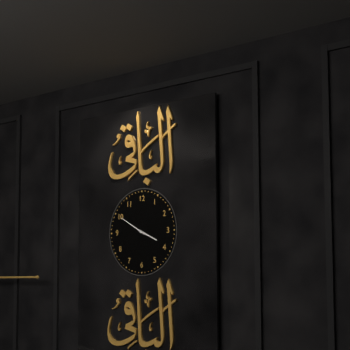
3:50
